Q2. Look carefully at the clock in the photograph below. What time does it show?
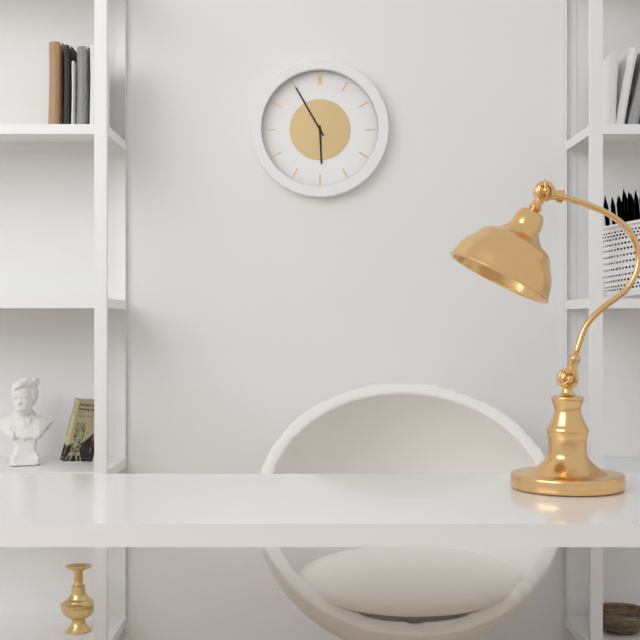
5:55
